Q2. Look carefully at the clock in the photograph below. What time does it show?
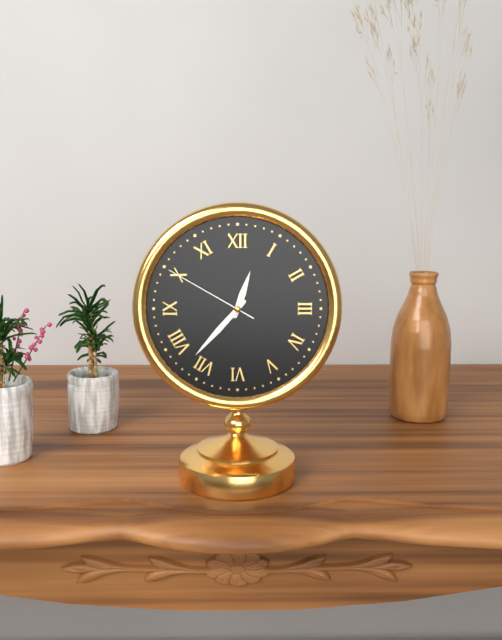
12:37:50
